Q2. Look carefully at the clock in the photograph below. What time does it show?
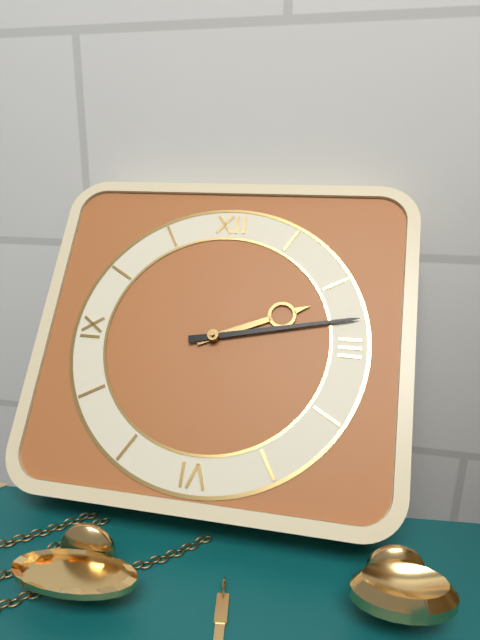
2:13
